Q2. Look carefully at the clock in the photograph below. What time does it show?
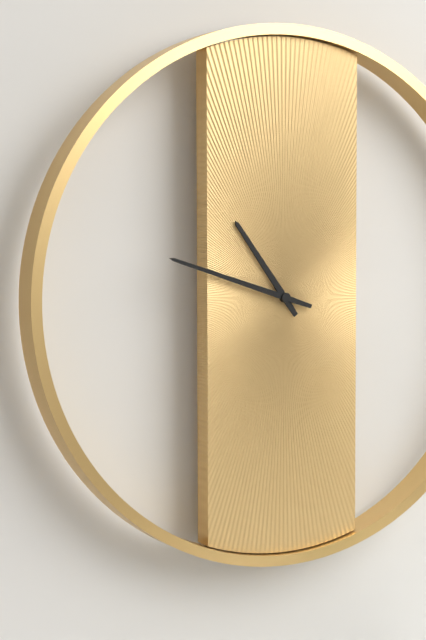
10:48
